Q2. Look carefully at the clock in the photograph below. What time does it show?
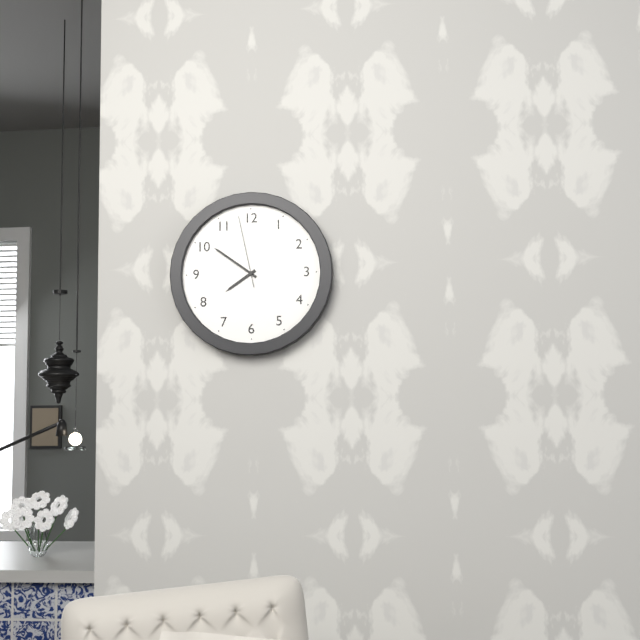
7:51:58
